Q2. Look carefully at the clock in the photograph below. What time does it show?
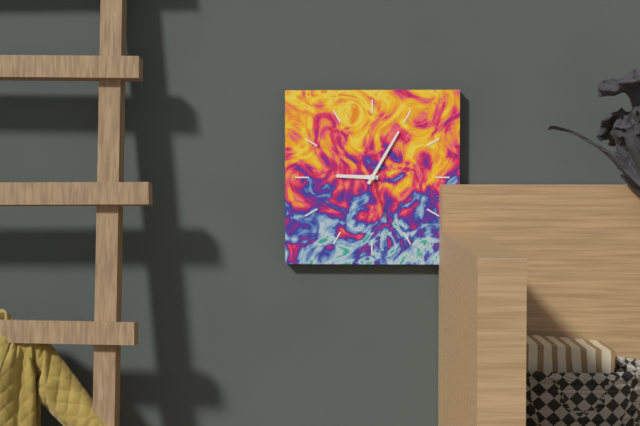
9:05:27
